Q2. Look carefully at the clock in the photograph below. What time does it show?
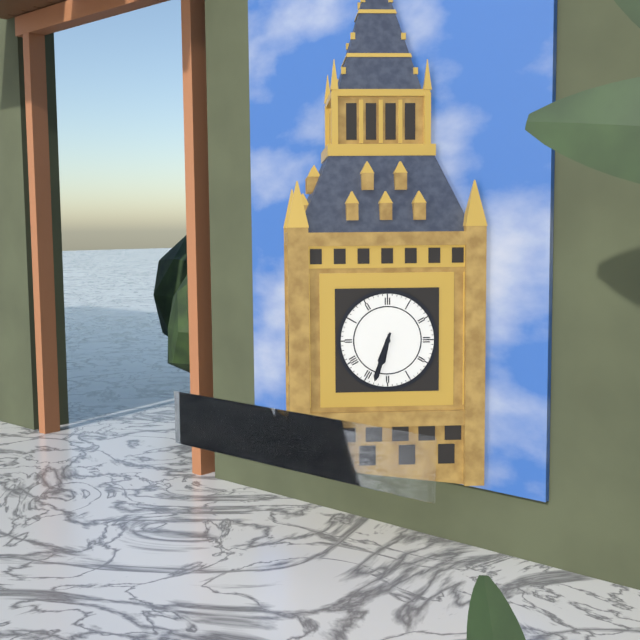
6:33
